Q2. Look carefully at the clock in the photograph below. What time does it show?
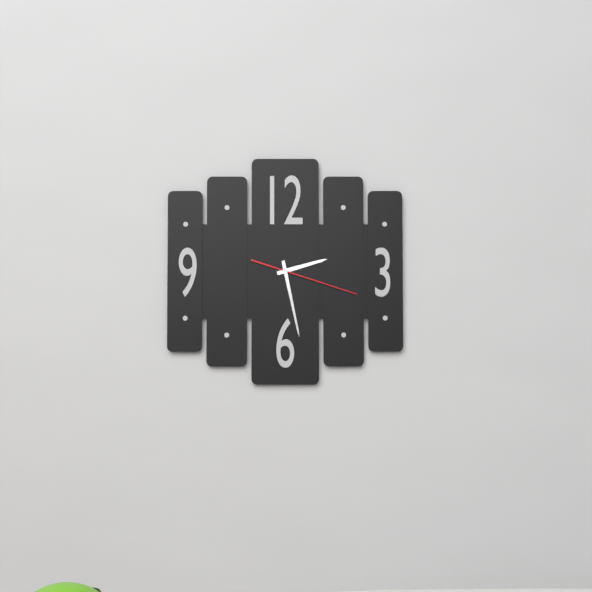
2:28:18
